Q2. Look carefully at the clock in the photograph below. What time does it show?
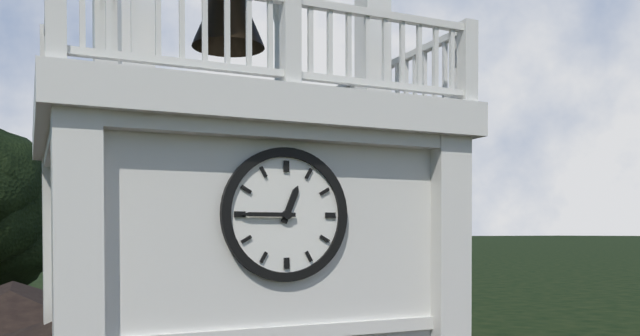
12:45
